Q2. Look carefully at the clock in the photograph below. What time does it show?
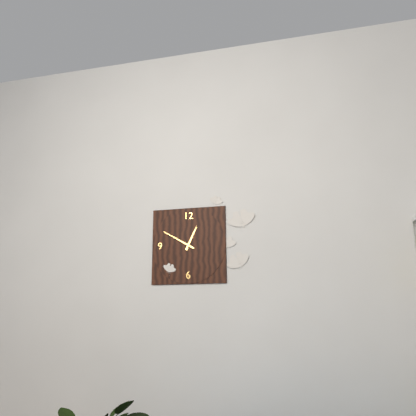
12:50
